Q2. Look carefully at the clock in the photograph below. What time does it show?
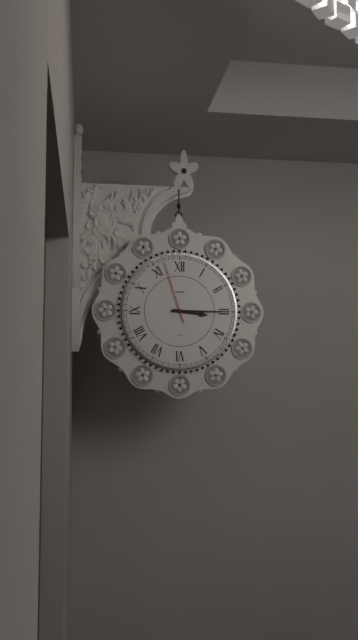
3:15:57
